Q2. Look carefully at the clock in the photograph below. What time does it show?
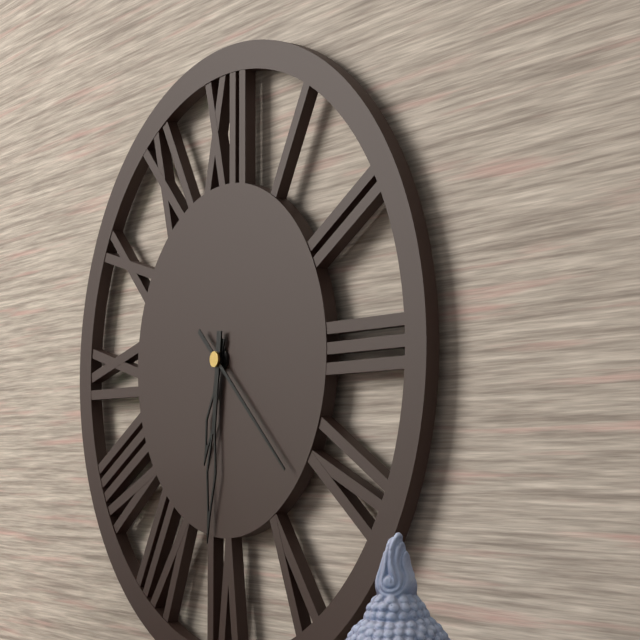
6:31:22
